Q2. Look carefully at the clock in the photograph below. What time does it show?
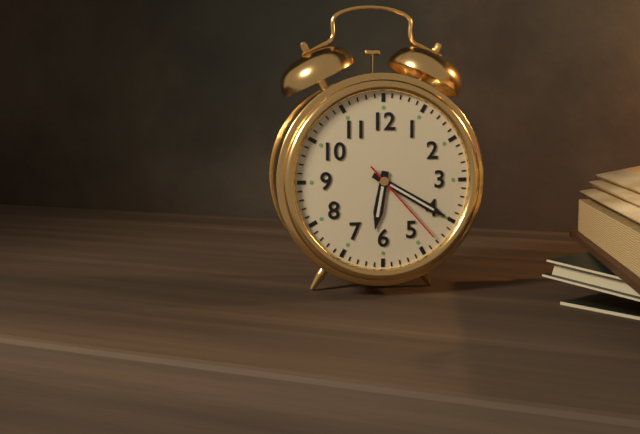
6:20:23
